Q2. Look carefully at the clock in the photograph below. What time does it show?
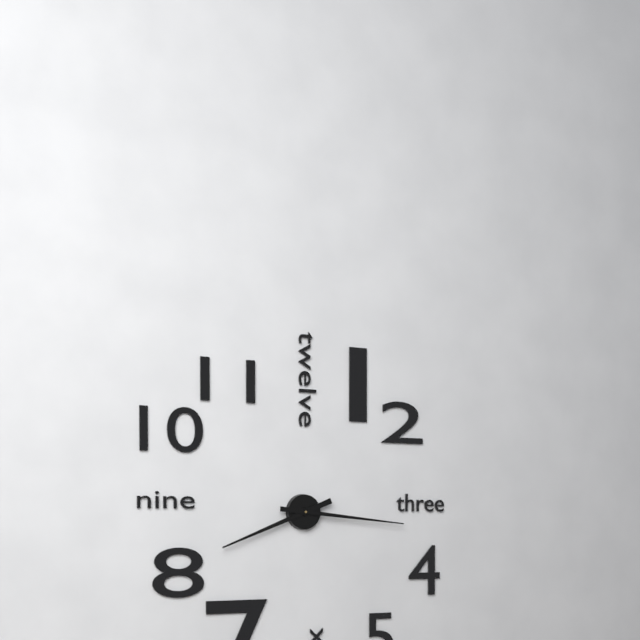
8:16
